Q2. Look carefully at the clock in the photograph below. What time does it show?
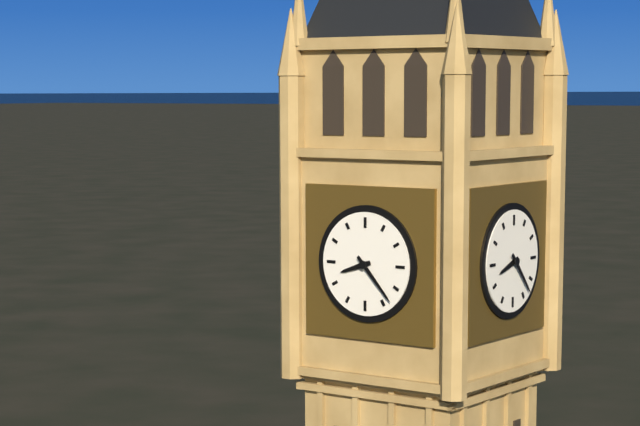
8:23
